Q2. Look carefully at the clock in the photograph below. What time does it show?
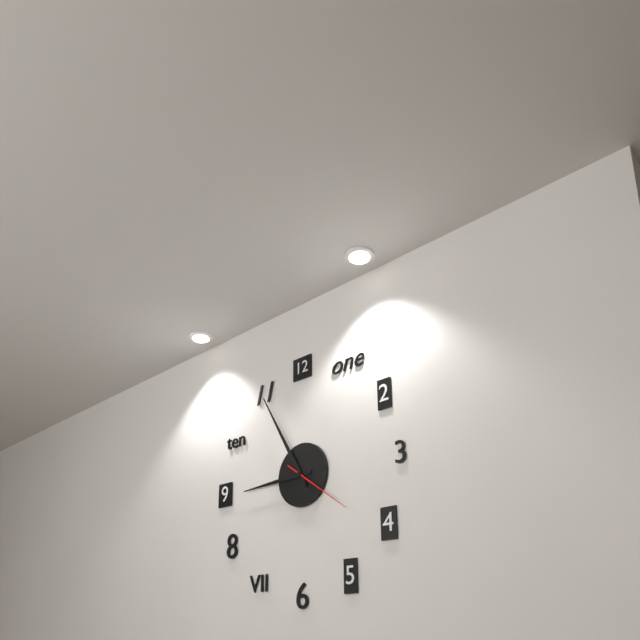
8:55:21
